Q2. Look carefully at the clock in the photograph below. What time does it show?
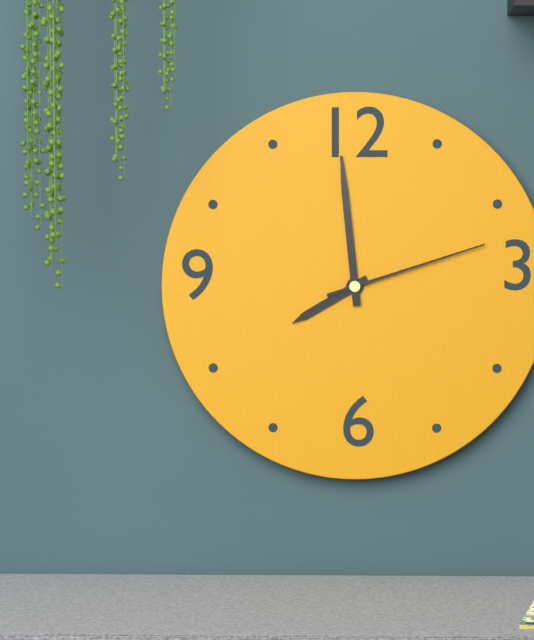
7:59:12
